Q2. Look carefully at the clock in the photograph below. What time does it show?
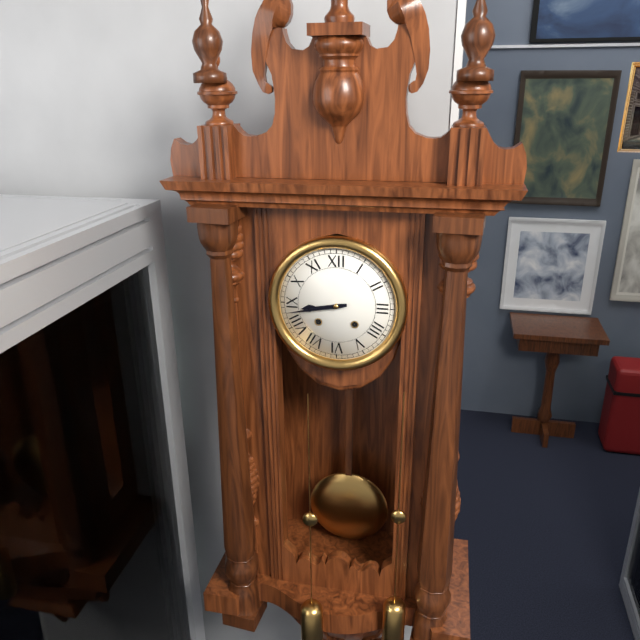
8:43
